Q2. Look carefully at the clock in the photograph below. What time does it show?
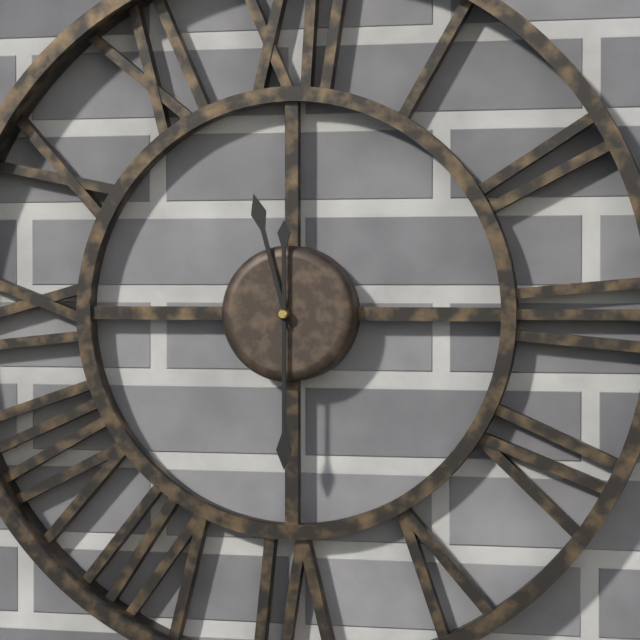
11:30
